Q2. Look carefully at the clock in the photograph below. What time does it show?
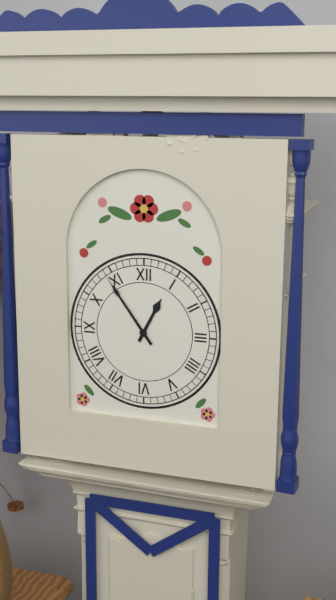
12:54
